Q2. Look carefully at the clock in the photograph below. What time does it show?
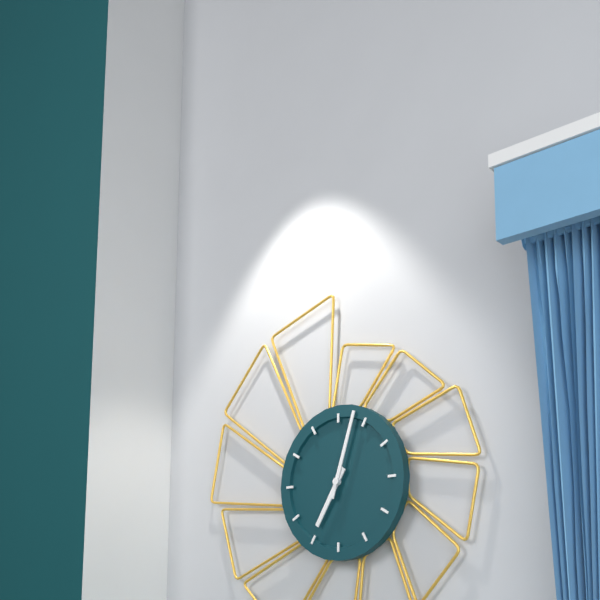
7:03
